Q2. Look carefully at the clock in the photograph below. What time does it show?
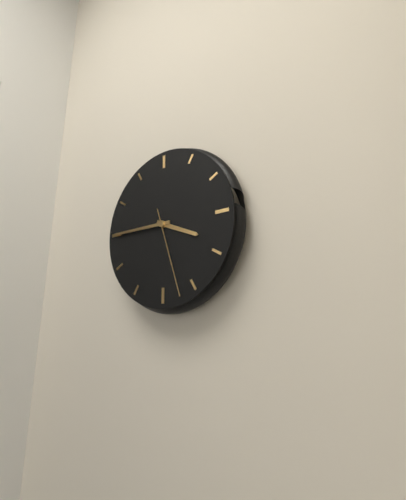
3:45:27
